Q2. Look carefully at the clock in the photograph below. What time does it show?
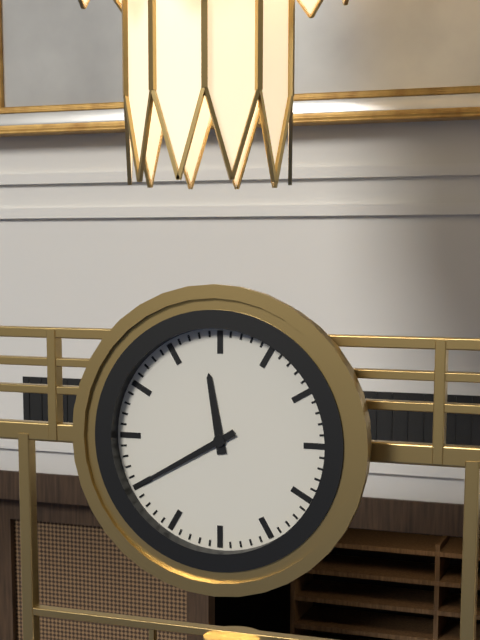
11:40
